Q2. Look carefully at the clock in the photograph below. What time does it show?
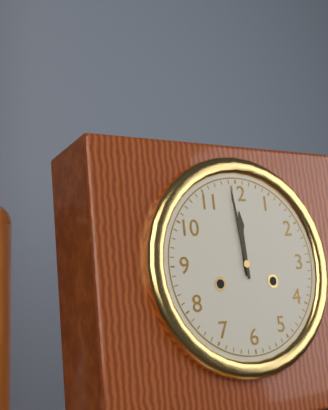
11:59
